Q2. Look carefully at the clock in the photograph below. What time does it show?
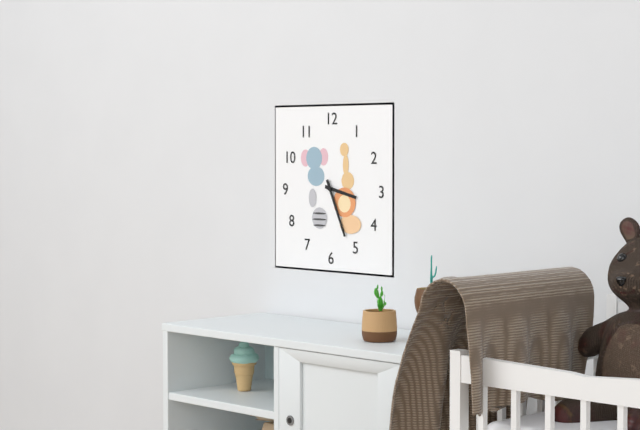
3:26
